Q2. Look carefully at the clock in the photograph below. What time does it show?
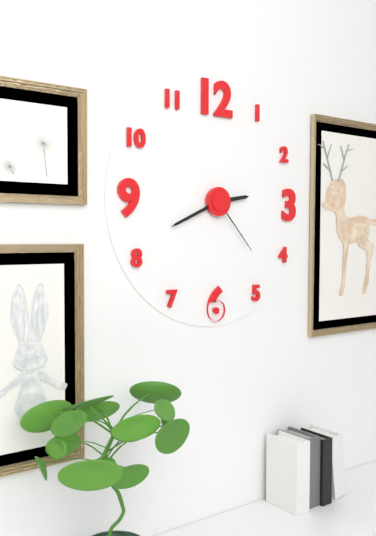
2:41:23
